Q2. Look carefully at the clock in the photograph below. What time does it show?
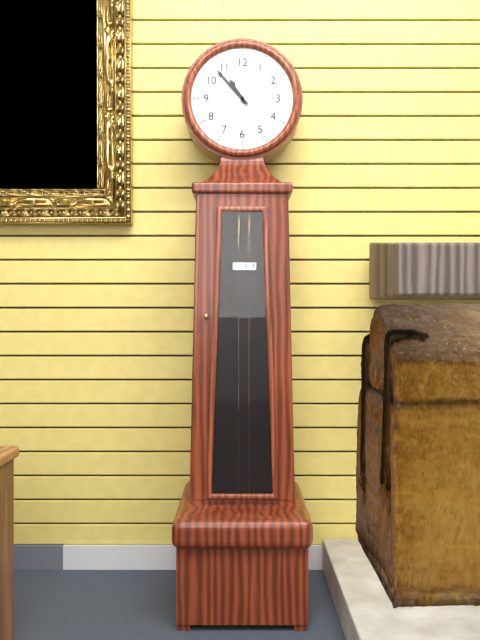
10:53
